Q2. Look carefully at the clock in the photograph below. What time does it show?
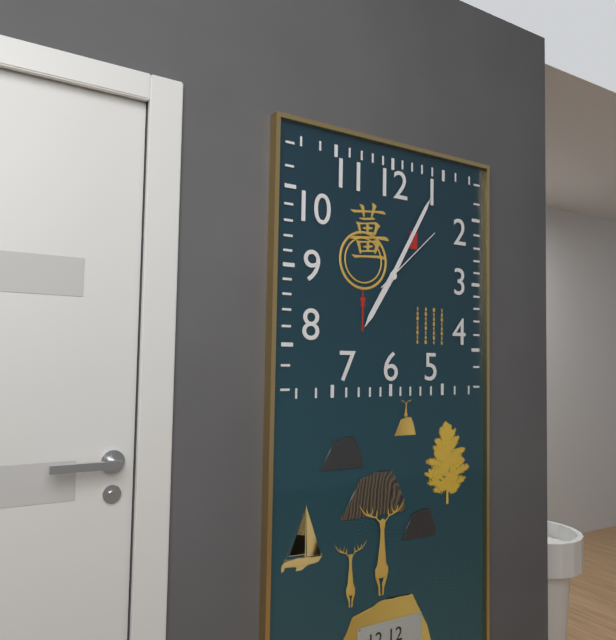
7:05:08
